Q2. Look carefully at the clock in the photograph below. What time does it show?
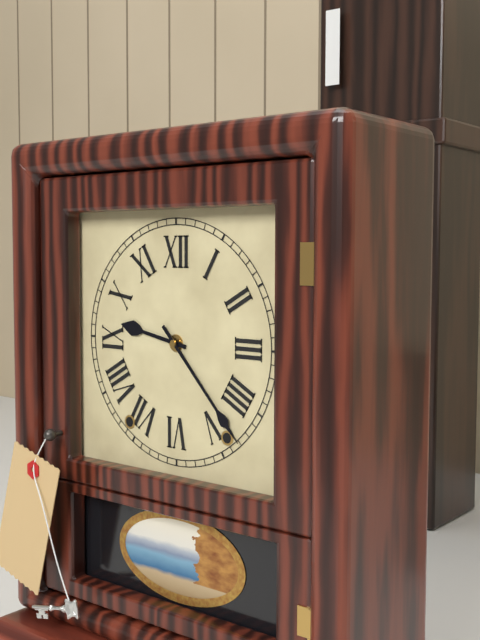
9:23
